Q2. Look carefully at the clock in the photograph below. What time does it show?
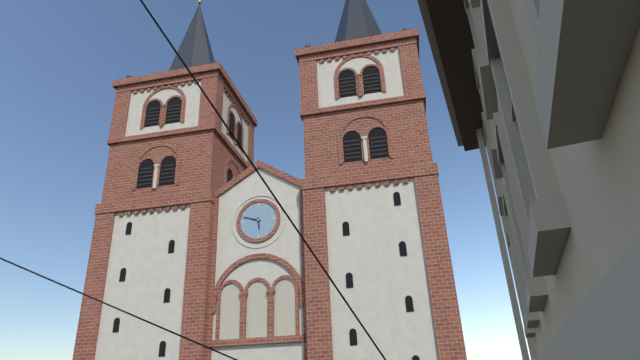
5:48
